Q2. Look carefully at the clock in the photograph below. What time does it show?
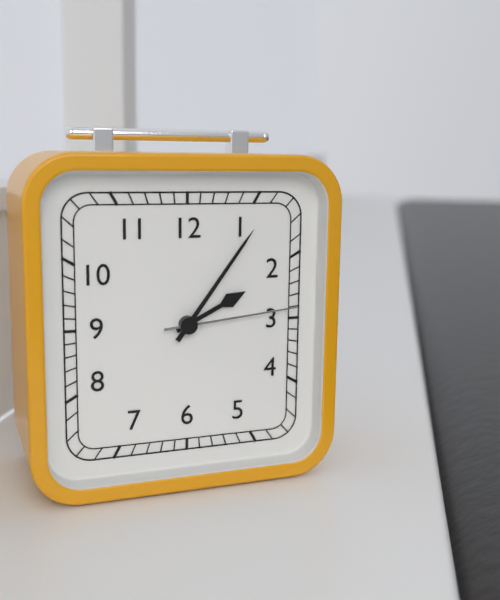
2:06:14
